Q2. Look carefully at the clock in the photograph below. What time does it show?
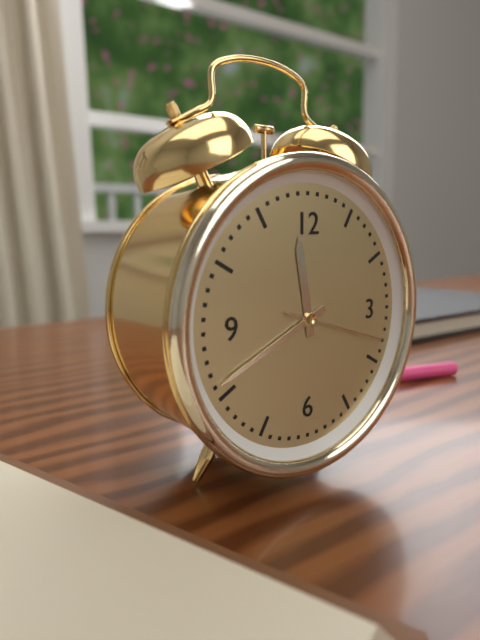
11:41:18
